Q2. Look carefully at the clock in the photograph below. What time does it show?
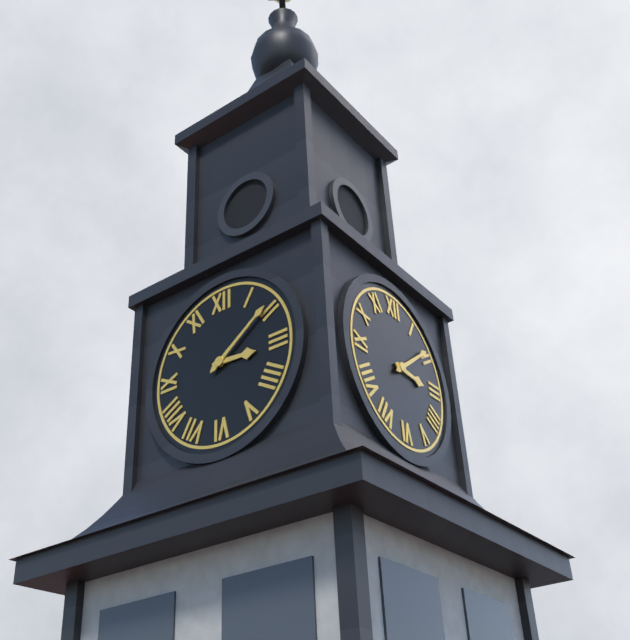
3:09
